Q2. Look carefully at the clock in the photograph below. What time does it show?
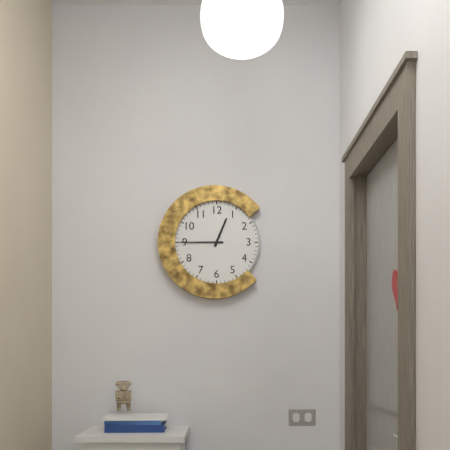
12:45
